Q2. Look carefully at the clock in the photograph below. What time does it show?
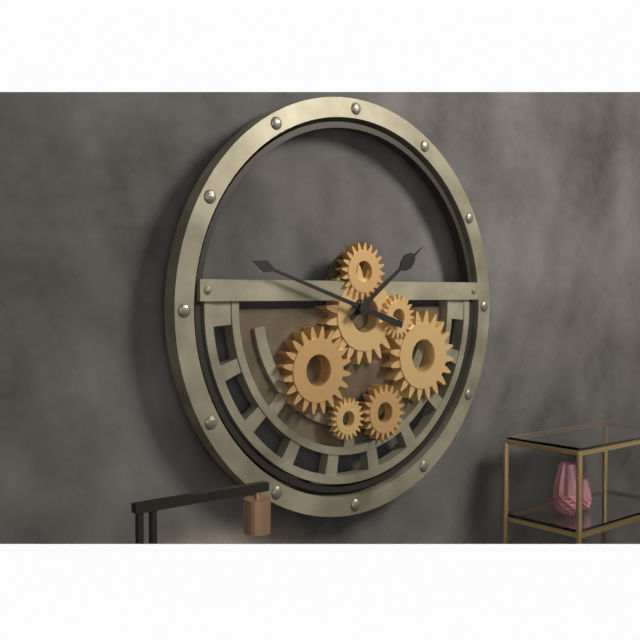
1:48
